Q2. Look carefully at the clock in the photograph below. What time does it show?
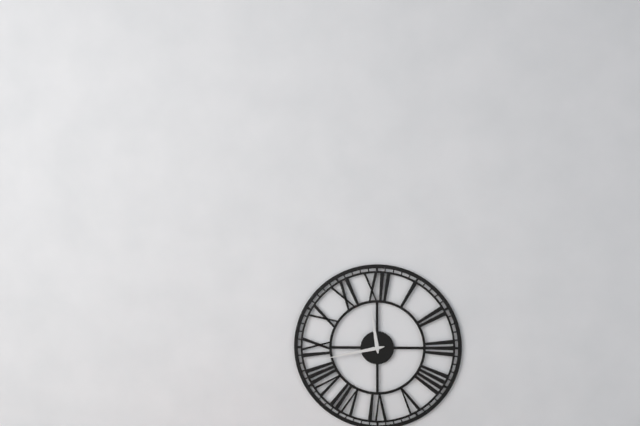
11:43
